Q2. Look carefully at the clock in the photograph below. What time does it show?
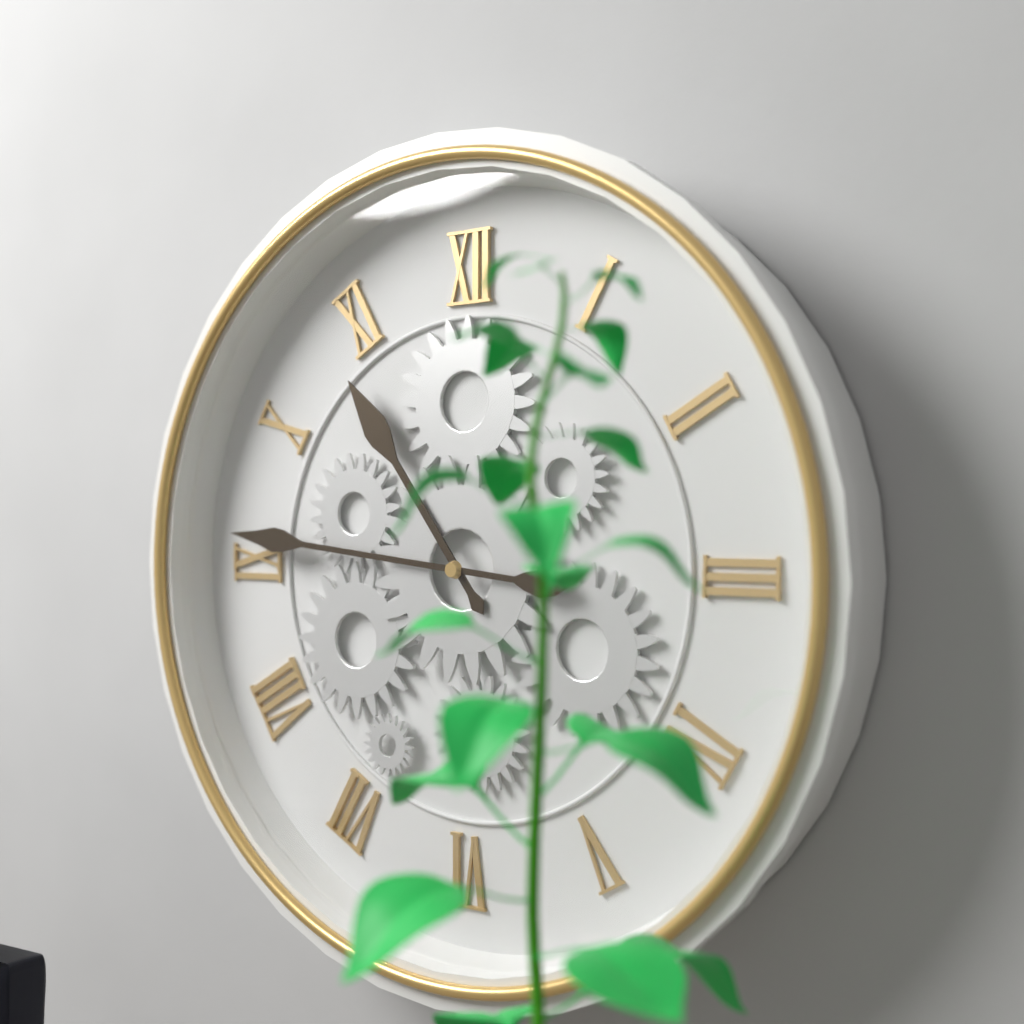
10:46
